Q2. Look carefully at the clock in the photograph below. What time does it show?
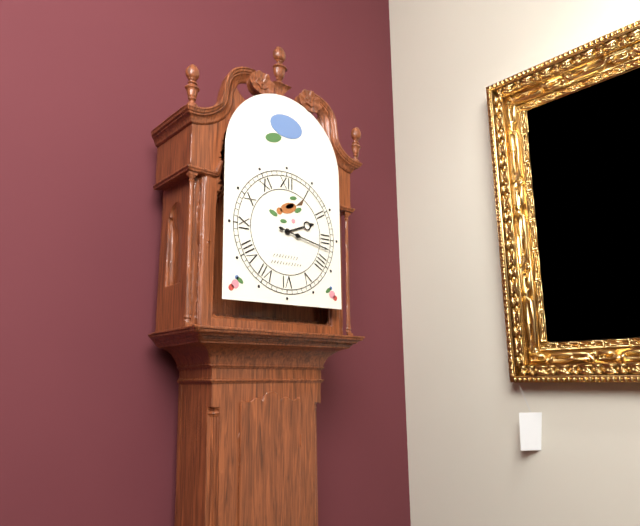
2:17
